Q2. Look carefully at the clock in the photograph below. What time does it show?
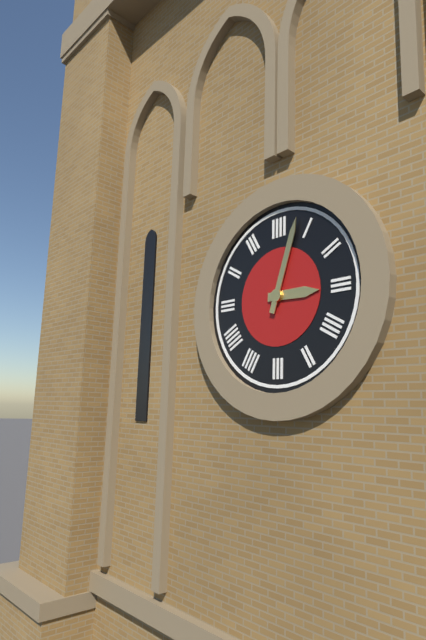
3:03
